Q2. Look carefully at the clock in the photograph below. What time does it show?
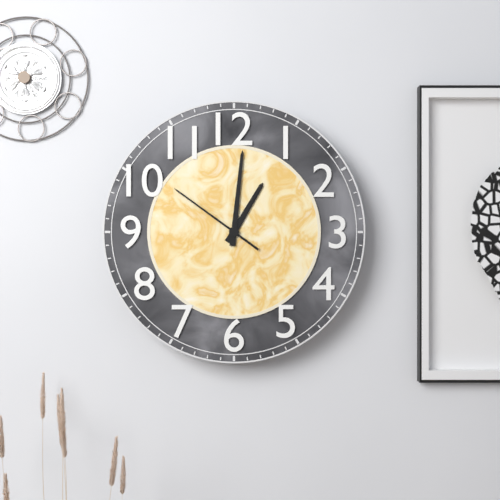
1:01:51
